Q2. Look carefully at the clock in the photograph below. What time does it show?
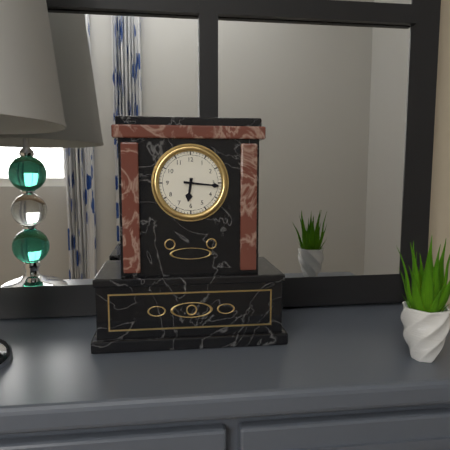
6:16
